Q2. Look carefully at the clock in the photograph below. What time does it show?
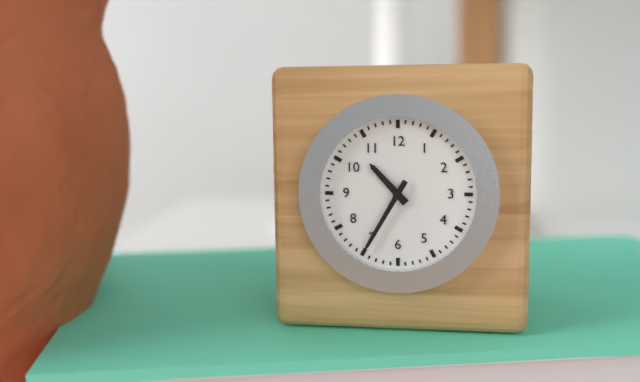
10:35
